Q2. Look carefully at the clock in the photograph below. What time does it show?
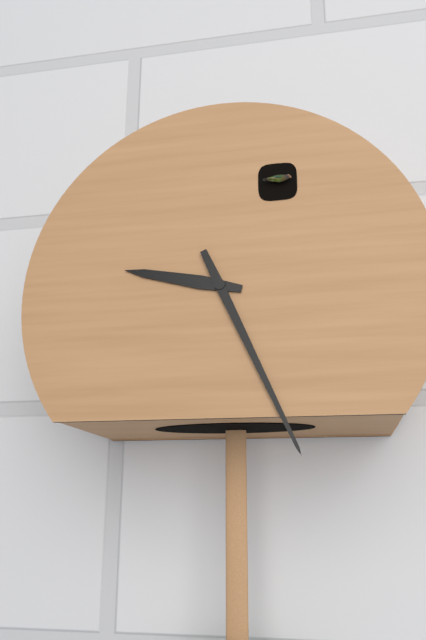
9:26
